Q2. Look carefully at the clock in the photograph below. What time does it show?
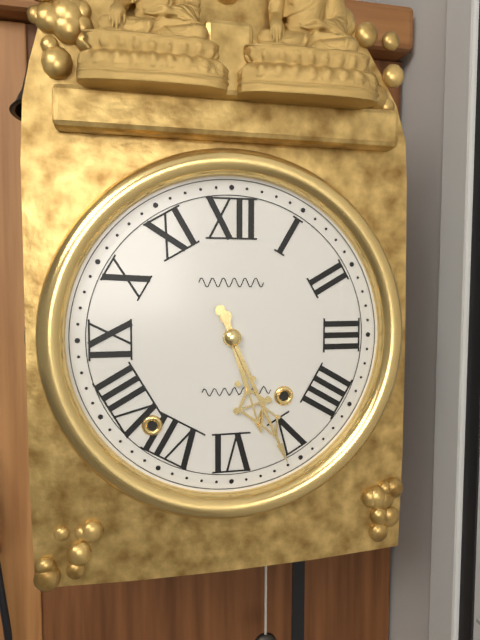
5:26
